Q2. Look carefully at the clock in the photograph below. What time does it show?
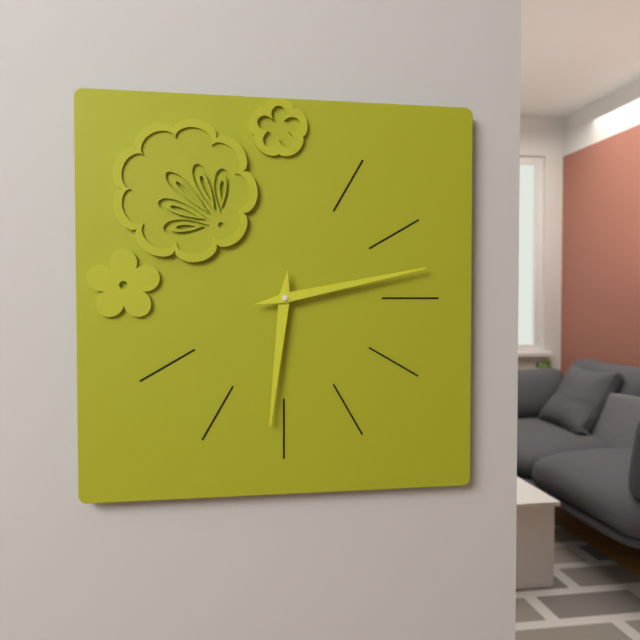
6:13
